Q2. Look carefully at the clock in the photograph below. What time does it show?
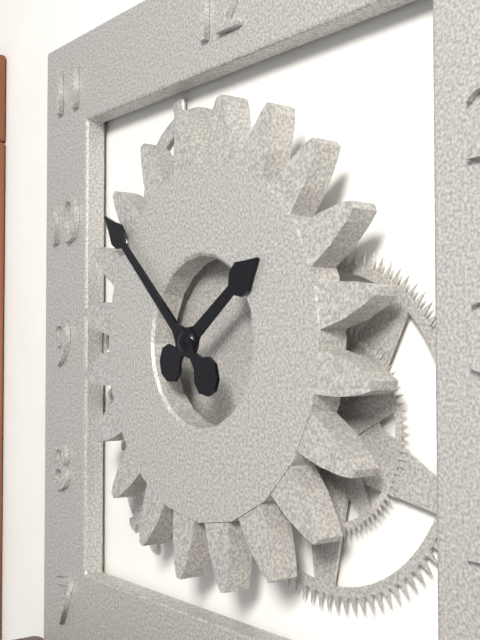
1:52
